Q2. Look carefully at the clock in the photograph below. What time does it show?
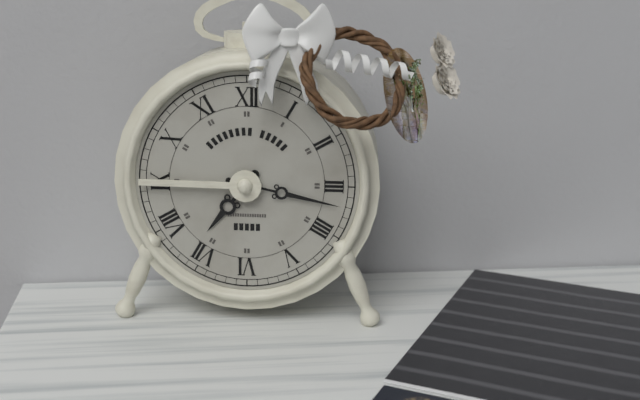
7:17
